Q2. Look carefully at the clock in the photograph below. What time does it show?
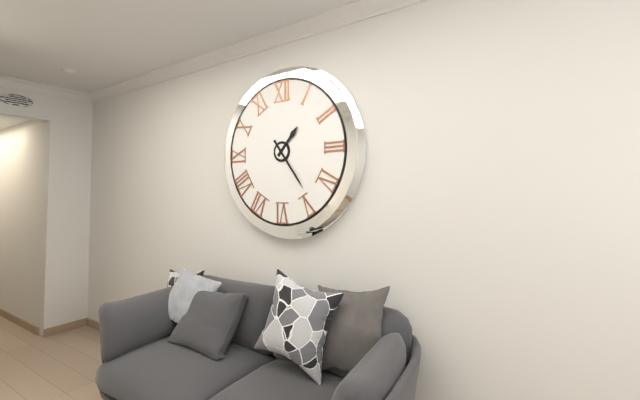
1:24
